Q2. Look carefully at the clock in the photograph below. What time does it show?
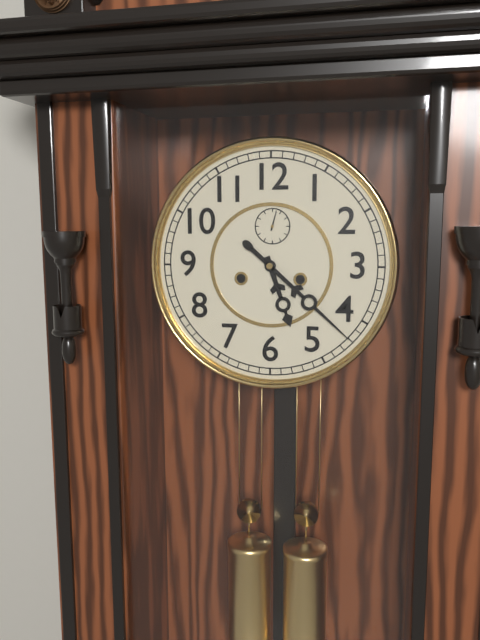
5:22
